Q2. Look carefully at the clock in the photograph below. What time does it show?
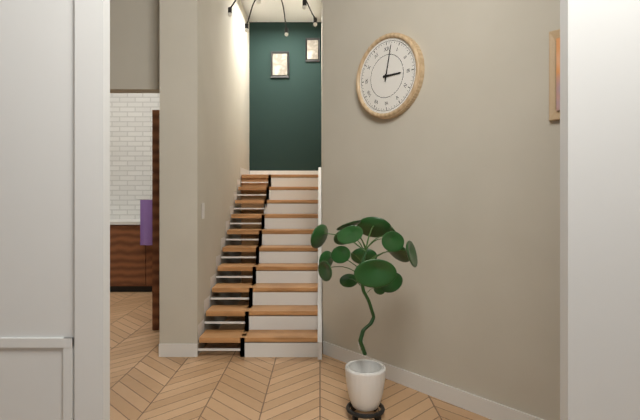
3:02
